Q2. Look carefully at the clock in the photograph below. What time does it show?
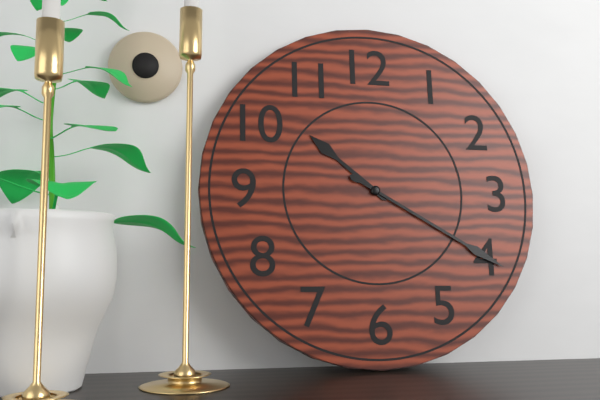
10:20
